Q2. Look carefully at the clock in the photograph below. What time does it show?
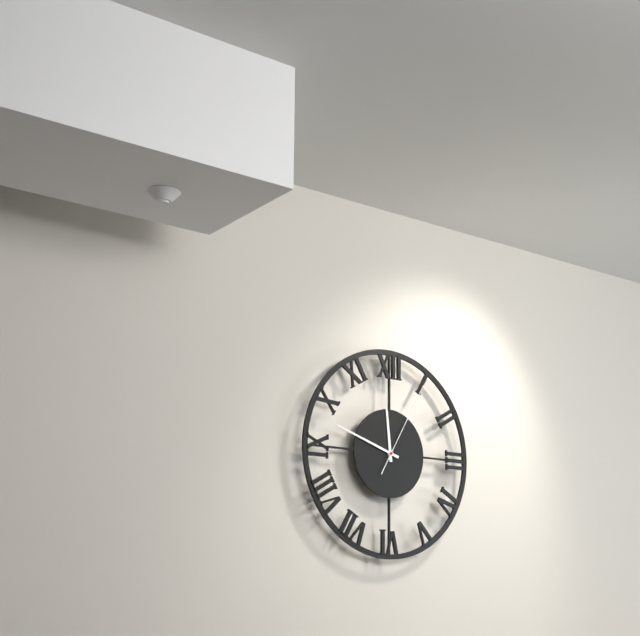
11:48:05
